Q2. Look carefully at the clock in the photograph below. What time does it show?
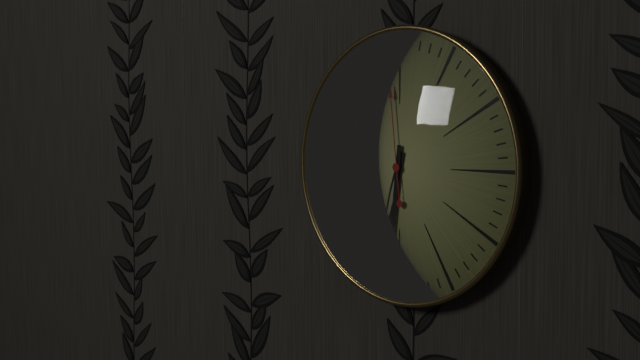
6:31:59
